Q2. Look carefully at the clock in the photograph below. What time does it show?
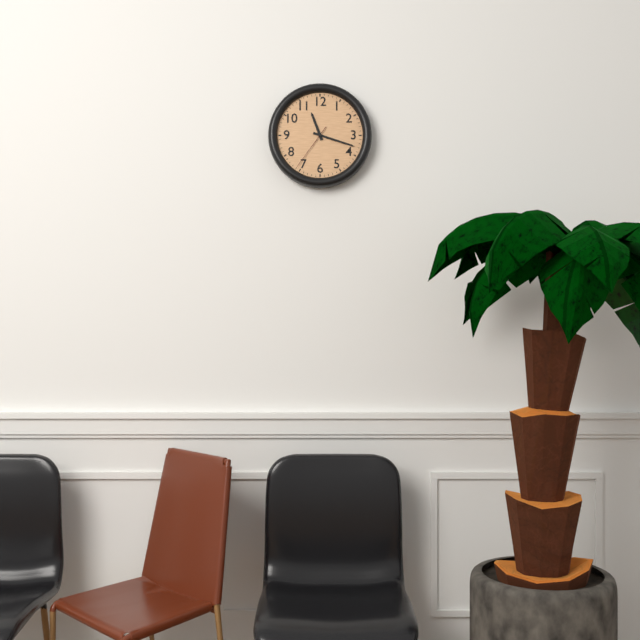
11:18
